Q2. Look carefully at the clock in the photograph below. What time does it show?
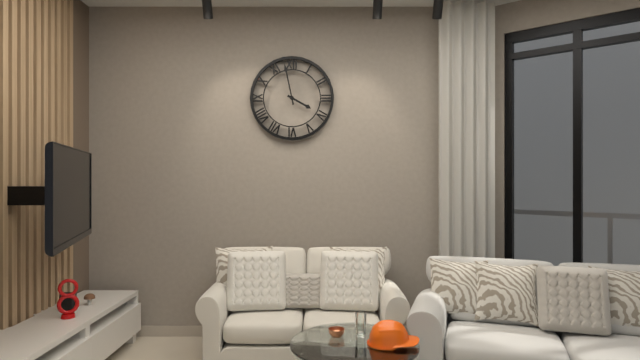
3:58
